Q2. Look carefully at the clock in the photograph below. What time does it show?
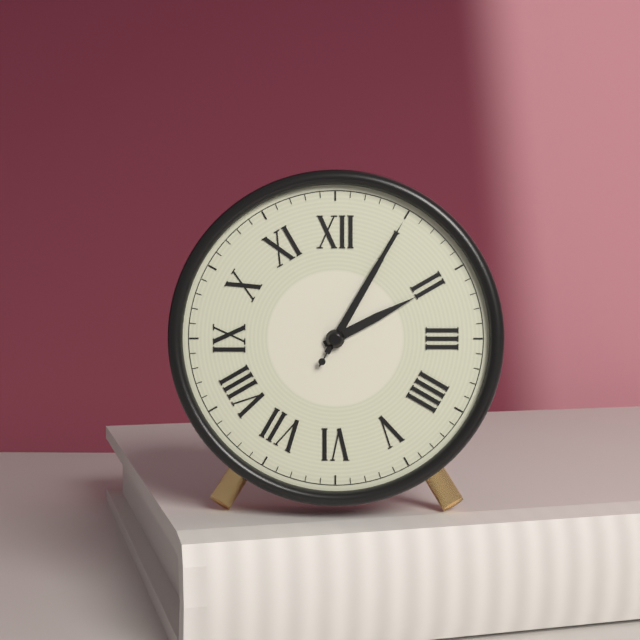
2:05:05
